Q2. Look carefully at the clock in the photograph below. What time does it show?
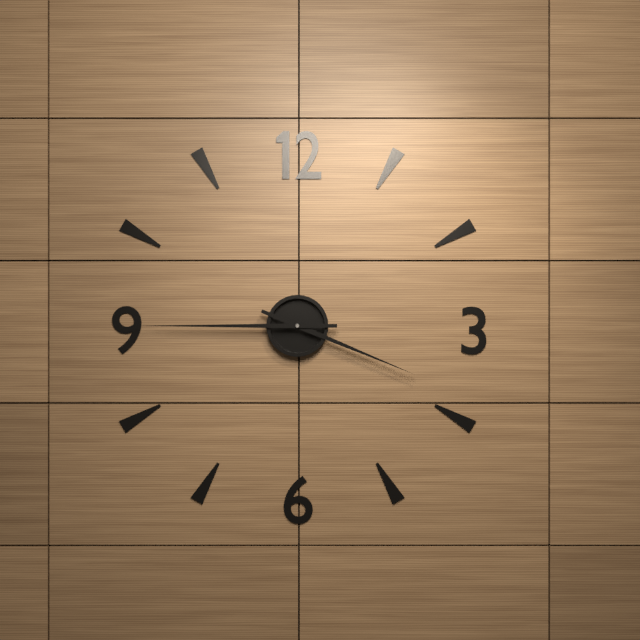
3:45
